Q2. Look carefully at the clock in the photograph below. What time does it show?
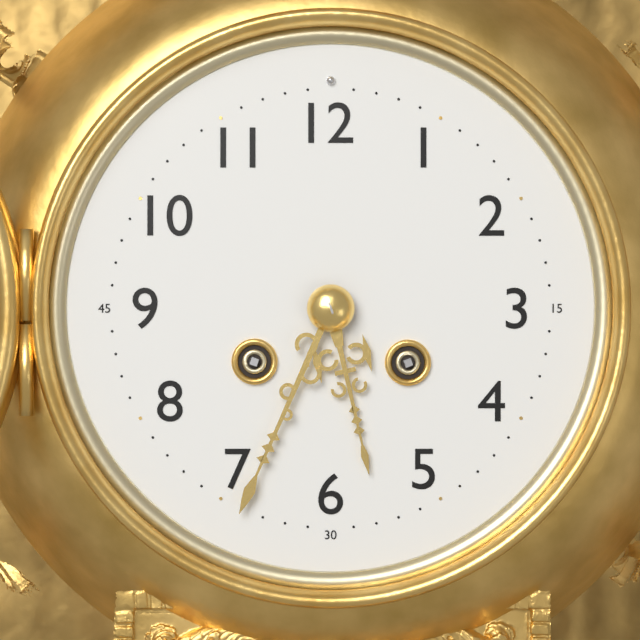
5:34
